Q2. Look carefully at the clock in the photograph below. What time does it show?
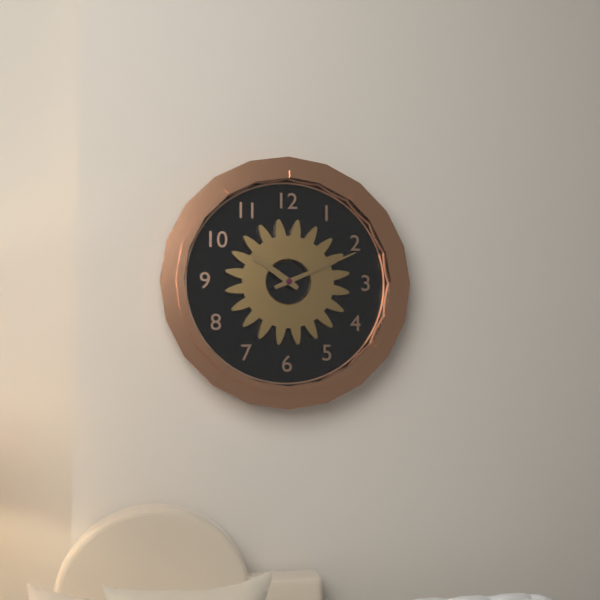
10:11
